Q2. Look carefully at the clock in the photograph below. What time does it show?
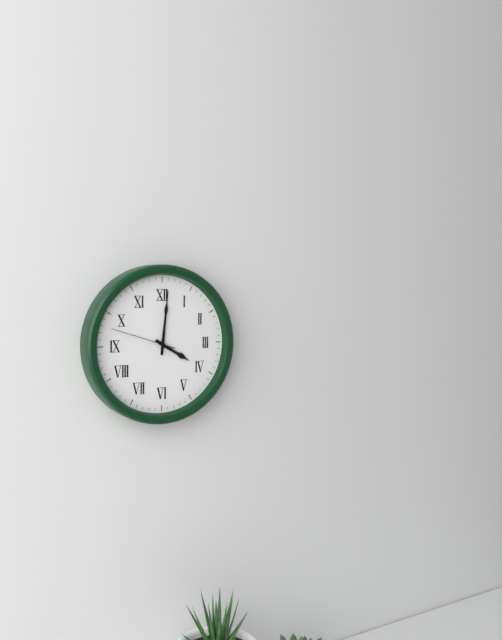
4:01:48
